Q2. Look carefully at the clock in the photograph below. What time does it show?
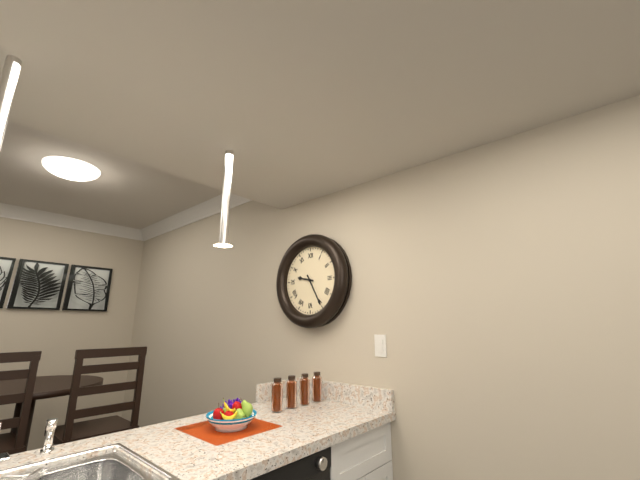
9:25
